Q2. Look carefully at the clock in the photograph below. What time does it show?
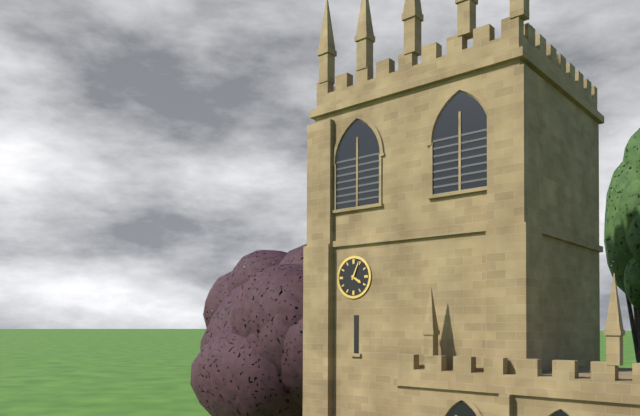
4:04
